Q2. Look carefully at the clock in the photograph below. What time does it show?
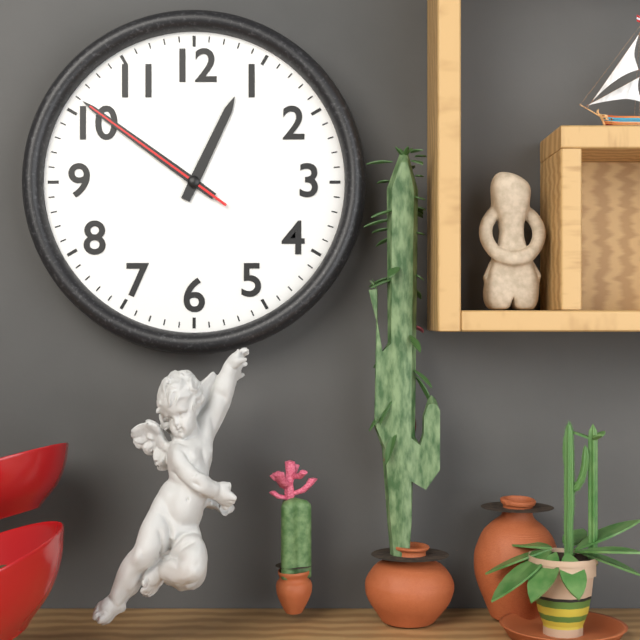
12:51:51
